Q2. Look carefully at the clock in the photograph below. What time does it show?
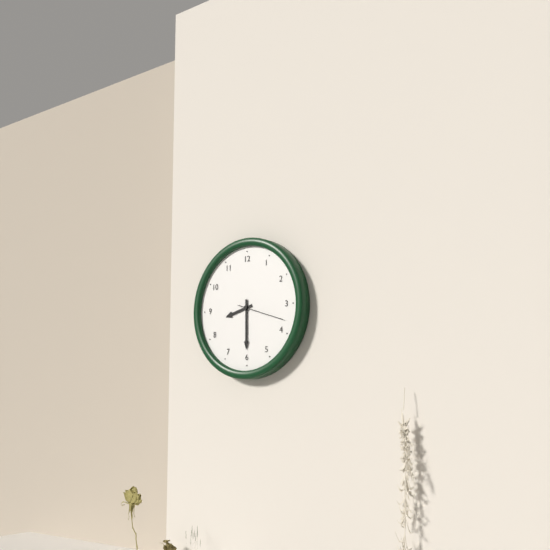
8:30
